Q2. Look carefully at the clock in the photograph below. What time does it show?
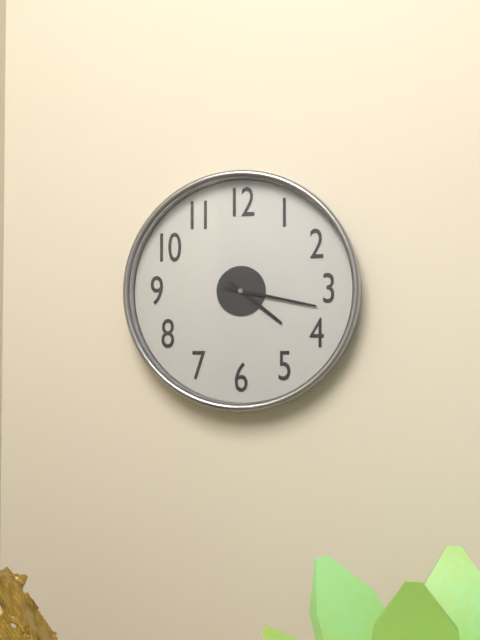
4:17
